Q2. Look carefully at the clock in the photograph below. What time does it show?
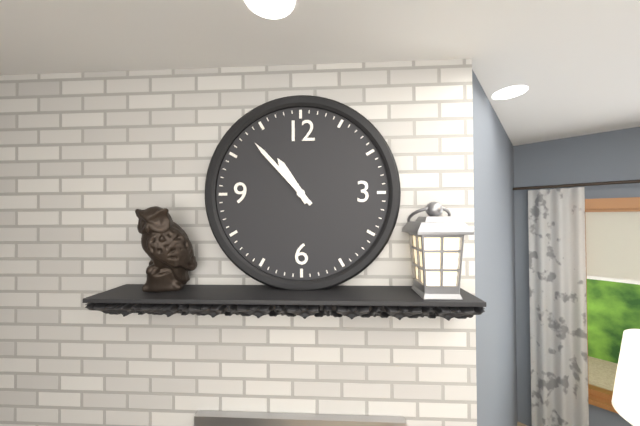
10:53
